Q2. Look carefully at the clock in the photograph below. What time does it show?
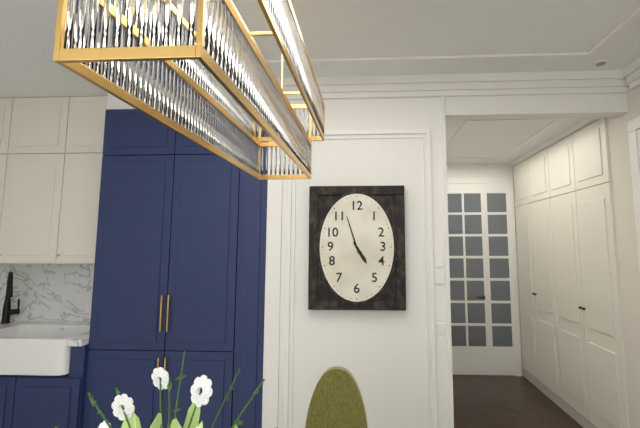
4:57
